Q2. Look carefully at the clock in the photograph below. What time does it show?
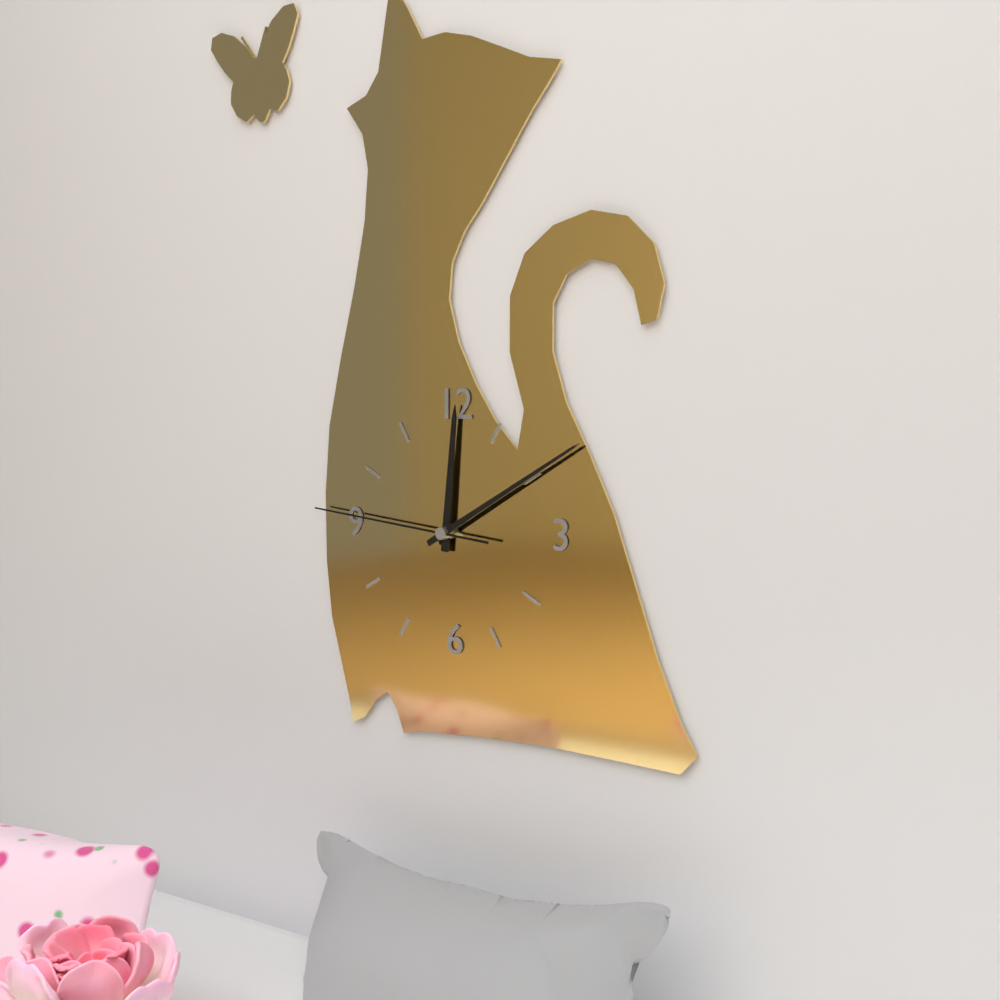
12:10:46
